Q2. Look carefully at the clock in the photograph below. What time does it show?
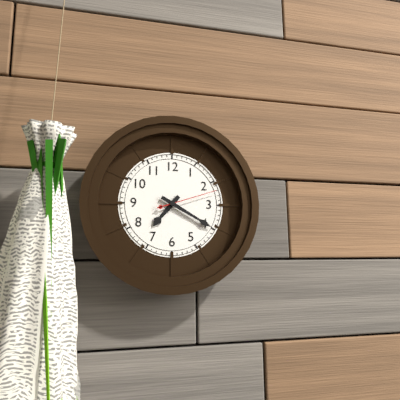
7:20:12
